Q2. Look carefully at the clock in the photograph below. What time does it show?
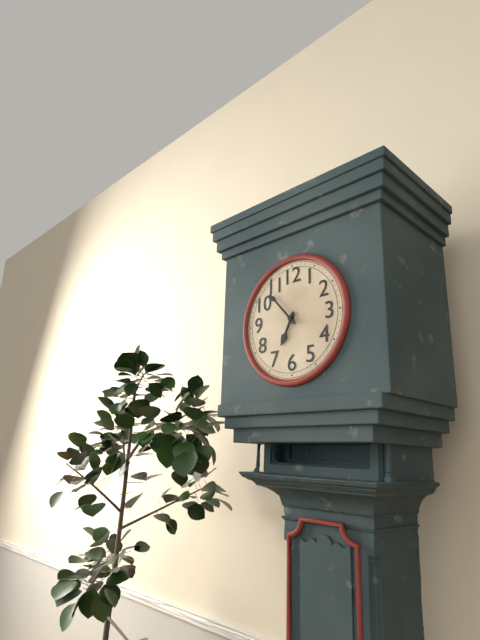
6:53
